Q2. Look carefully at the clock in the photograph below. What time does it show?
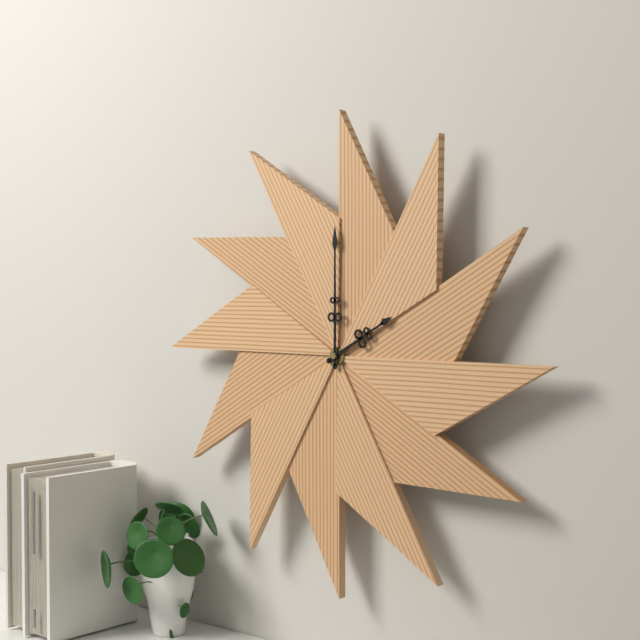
2:00
